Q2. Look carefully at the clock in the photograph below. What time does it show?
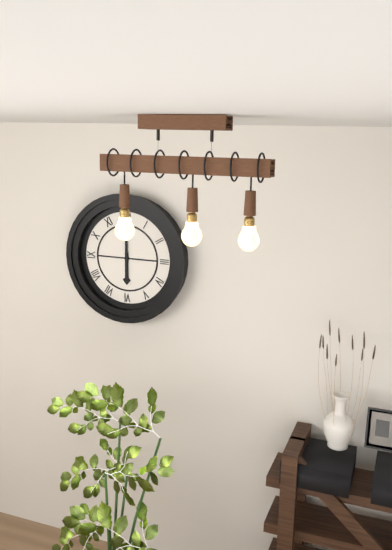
6:00
